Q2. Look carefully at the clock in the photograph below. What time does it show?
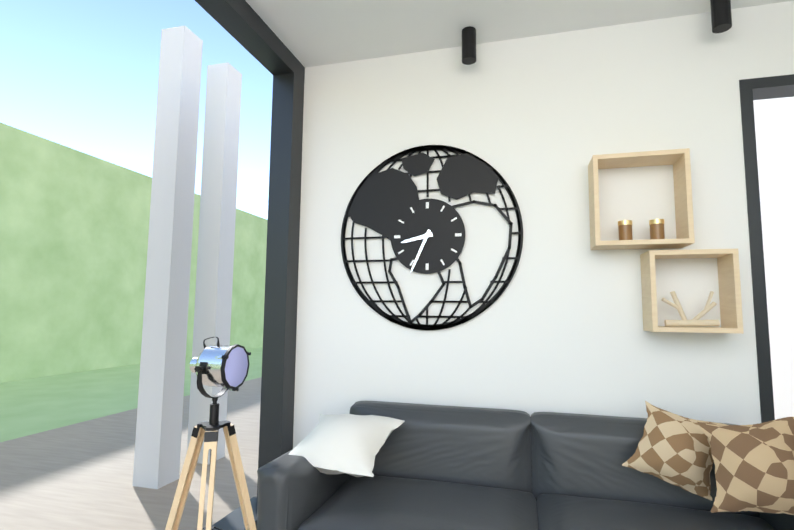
8:34
